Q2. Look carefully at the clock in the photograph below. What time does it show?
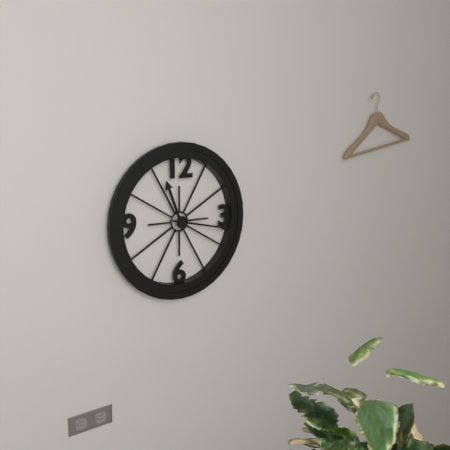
11:17
